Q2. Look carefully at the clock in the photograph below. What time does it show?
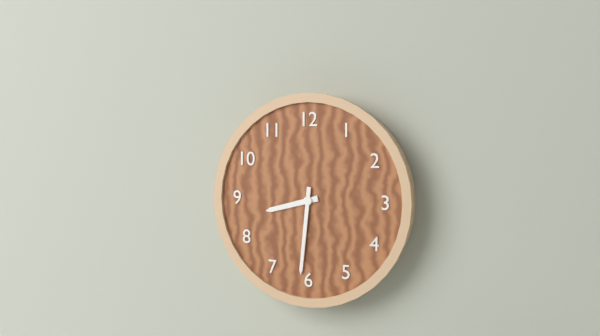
8:31
